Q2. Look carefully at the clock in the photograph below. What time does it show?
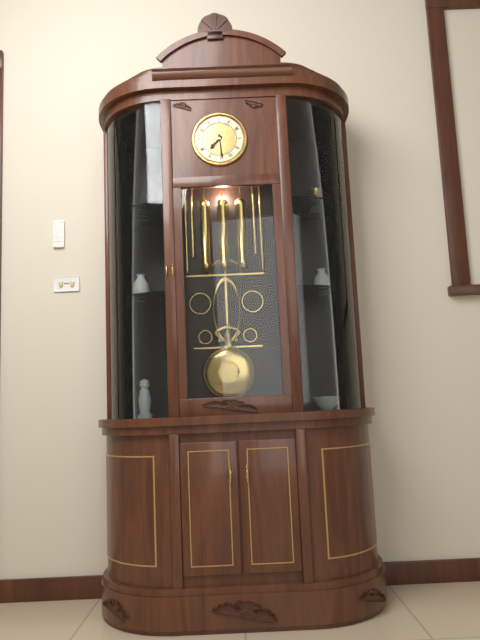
7:29
